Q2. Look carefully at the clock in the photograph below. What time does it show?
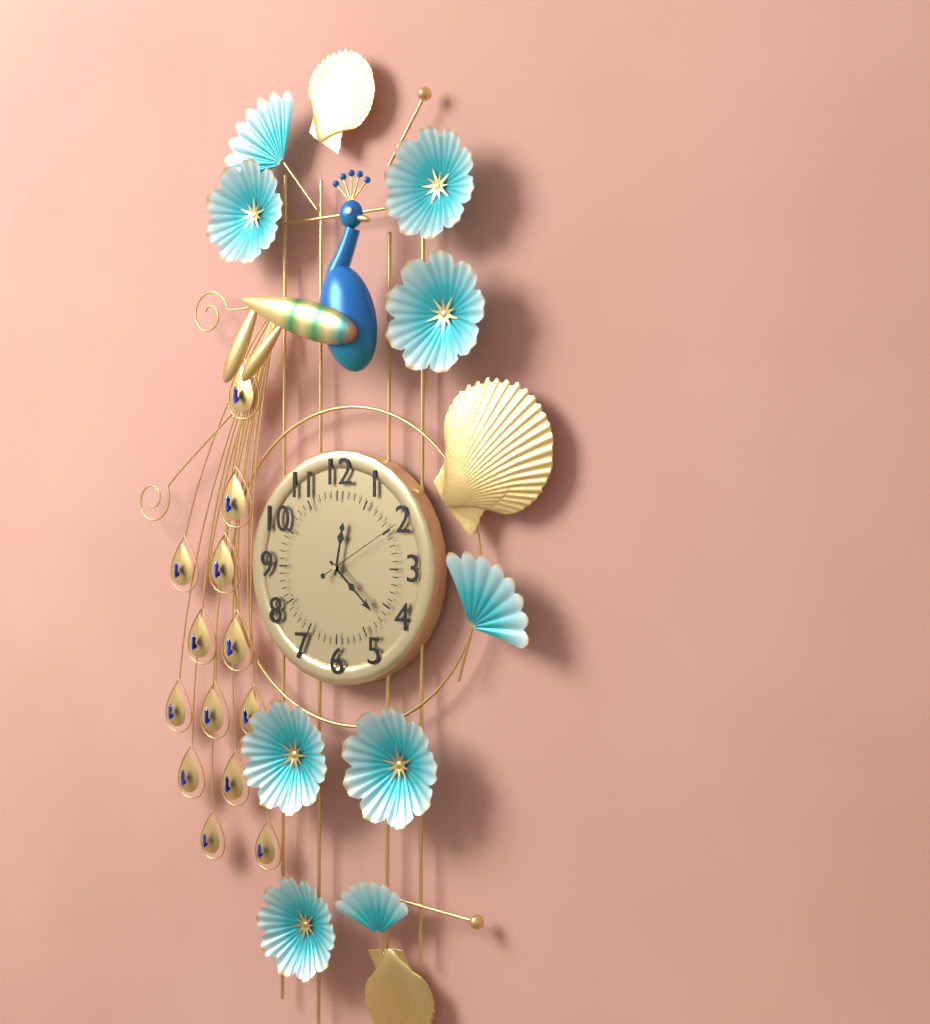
12:22:10
